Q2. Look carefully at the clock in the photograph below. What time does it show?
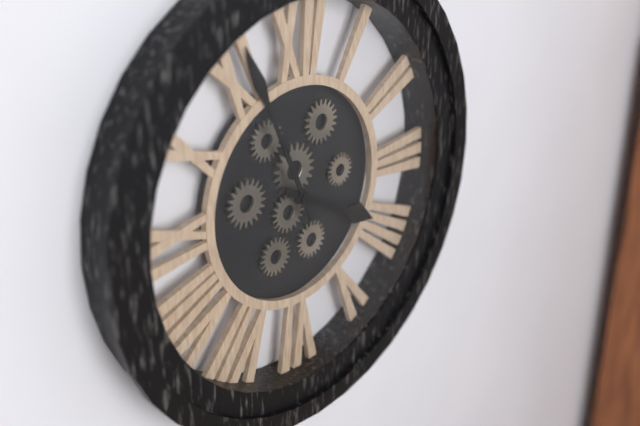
3:56
